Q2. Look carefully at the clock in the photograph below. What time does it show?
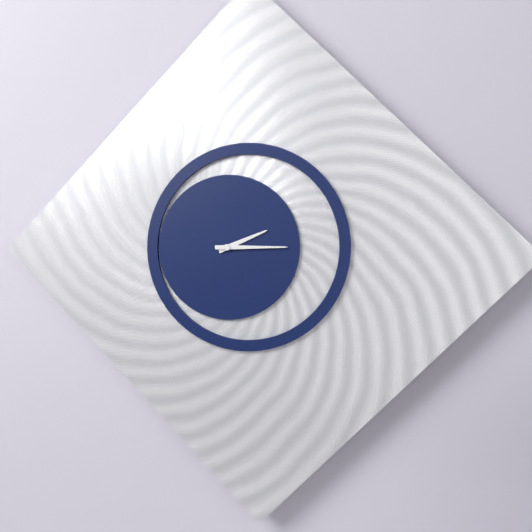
2:15
